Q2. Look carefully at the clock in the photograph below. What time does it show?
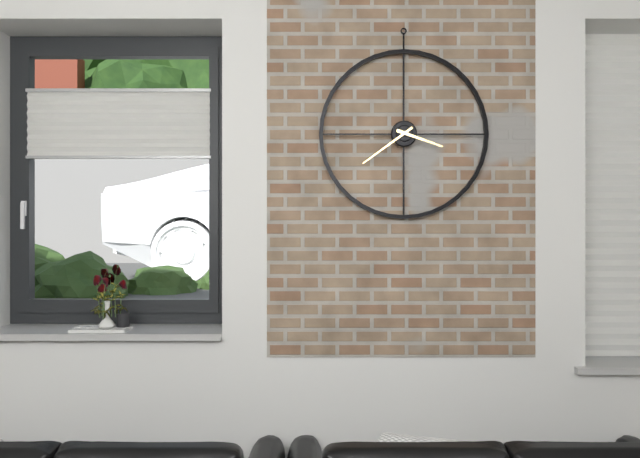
3:39
